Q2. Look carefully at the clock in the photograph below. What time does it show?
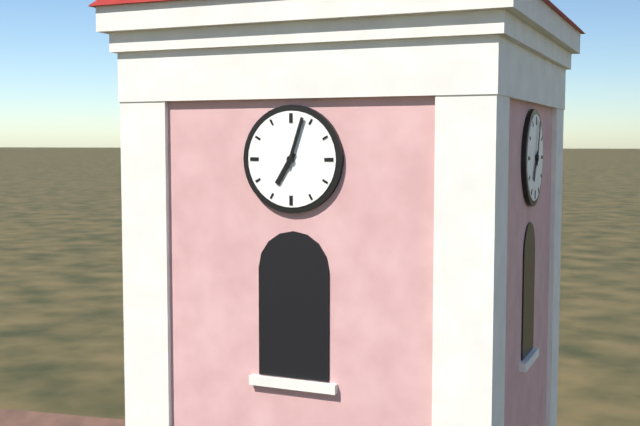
7:03
